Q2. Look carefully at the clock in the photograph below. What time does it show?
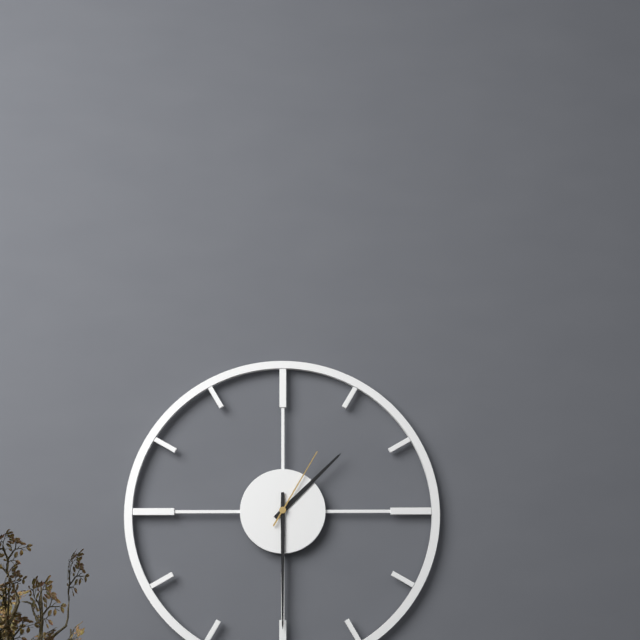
1:30:05
